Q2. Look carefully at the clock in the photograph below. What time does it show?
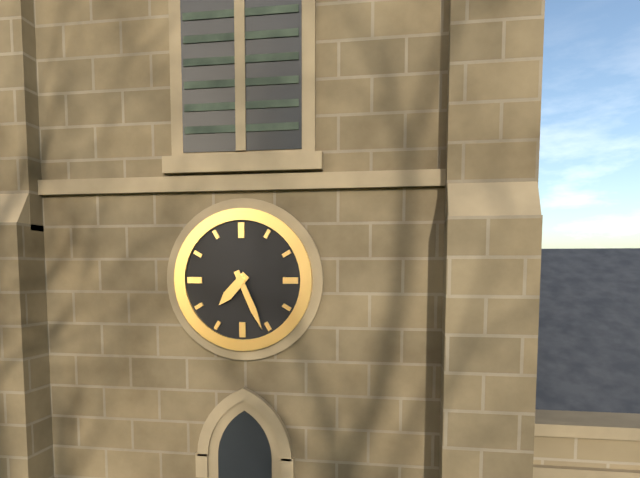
7:26
